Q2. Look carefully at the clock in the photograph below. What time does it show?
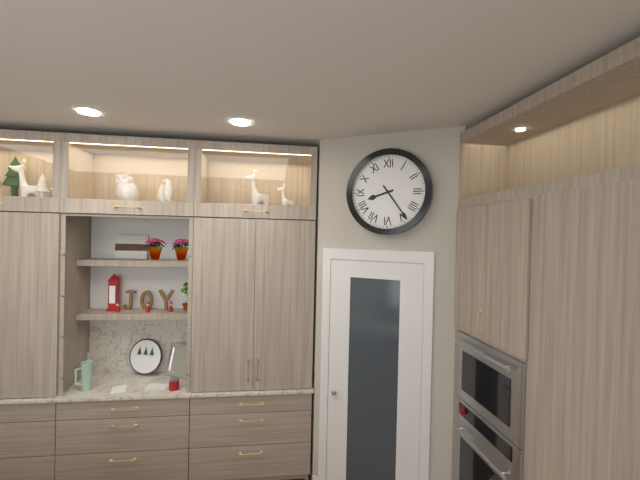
8:24
